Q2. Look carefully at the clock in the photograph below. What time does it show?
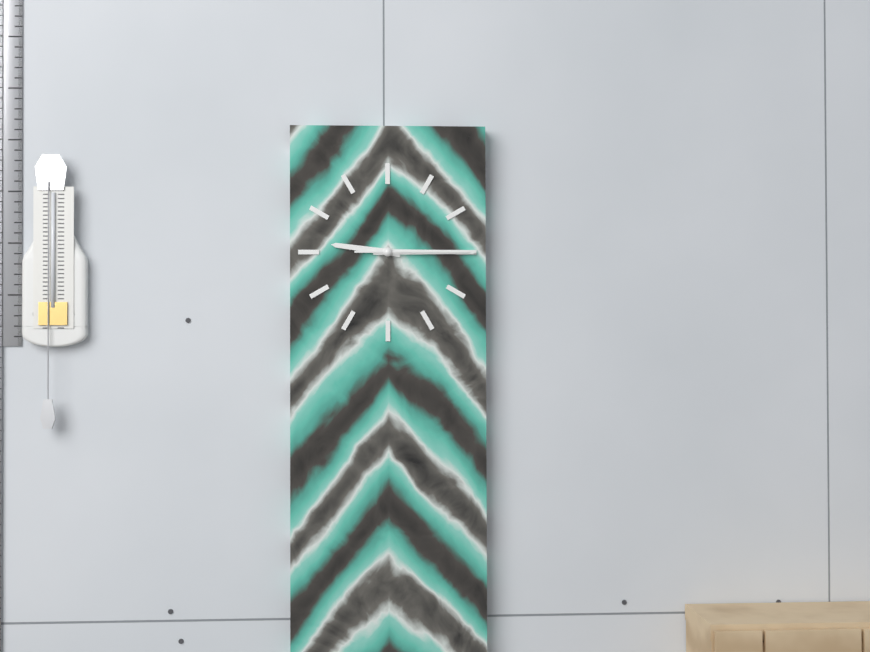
9:15:15
